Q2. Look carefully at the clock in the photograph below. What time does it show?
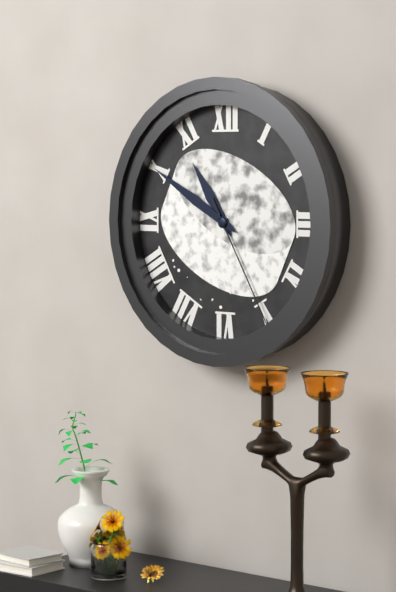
10:50:25
